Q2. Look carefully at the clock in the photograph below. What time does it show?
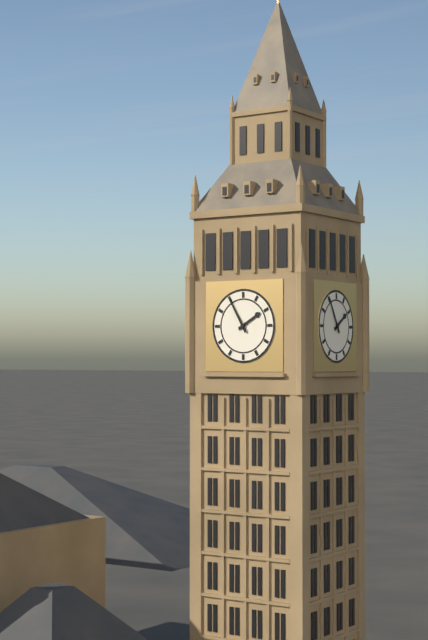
1:55
